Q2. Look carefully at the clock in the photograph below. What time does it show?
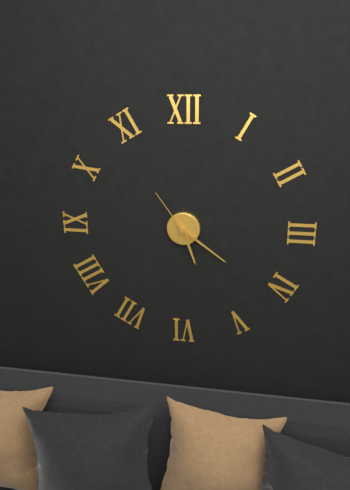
5:21:54
